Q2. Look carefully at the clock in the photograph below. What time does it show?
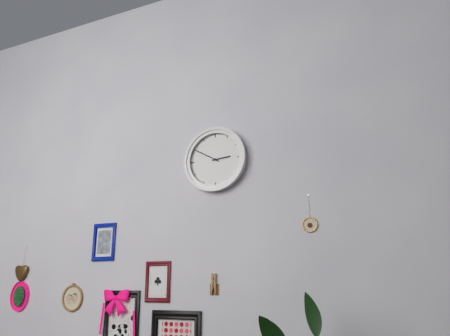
2:50
